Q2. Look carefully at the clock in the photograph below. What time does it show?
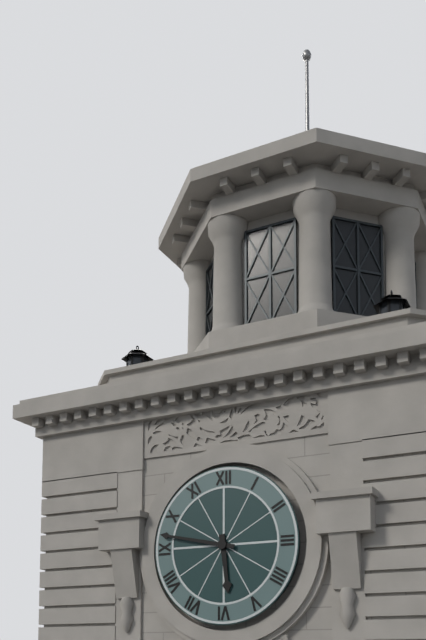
5:47
